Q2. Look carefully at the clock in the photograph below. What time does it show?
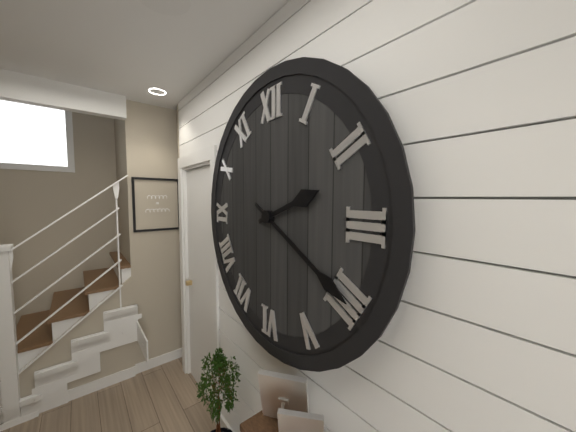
2:20
